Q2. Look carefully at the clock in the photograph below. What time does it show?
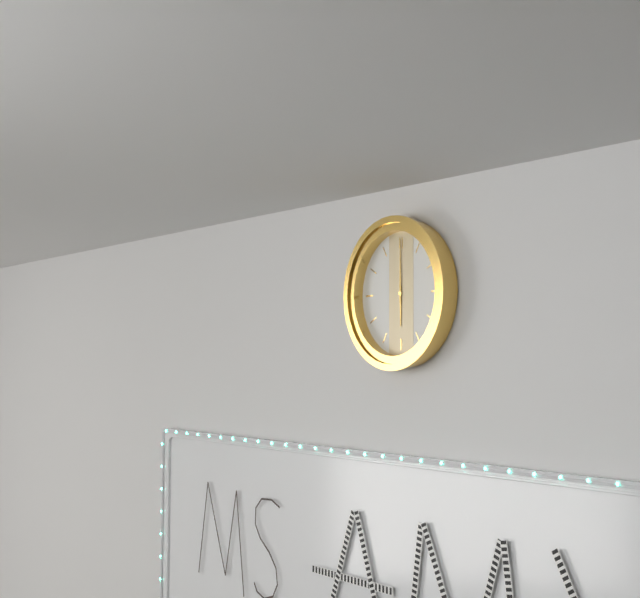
6:00
